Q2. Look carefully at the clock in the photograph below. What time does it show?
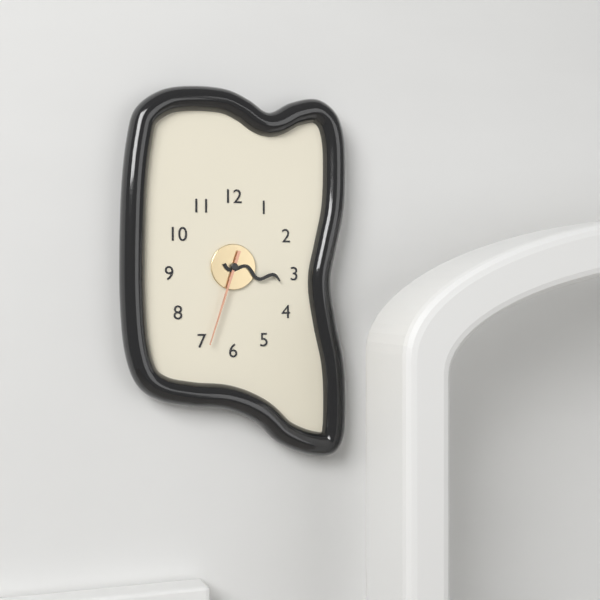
3:33
